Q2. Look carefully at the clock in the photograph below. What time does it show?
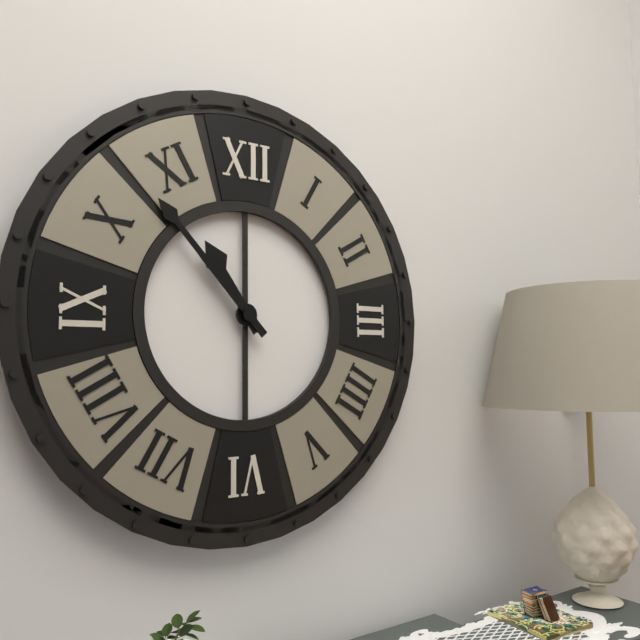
10:53
